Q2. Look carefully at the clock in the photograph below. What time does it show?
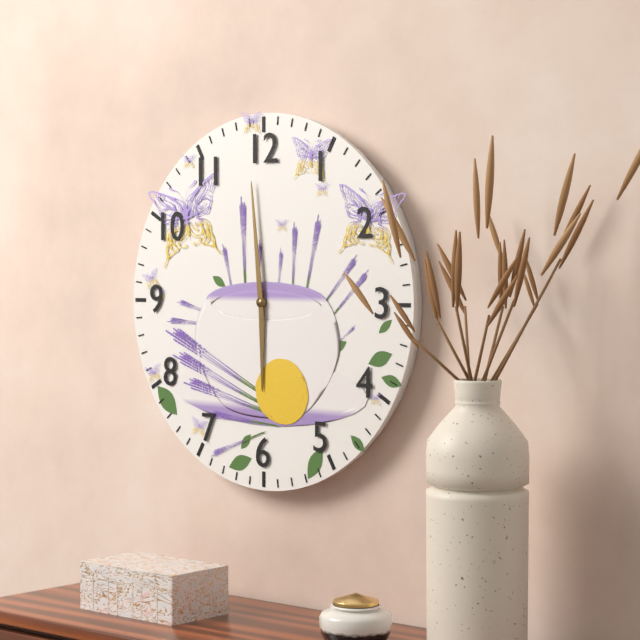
5:59
